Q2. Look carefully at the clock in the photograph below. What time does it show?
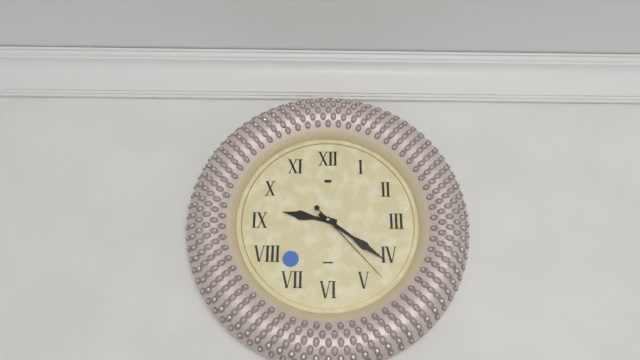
9:21:23
